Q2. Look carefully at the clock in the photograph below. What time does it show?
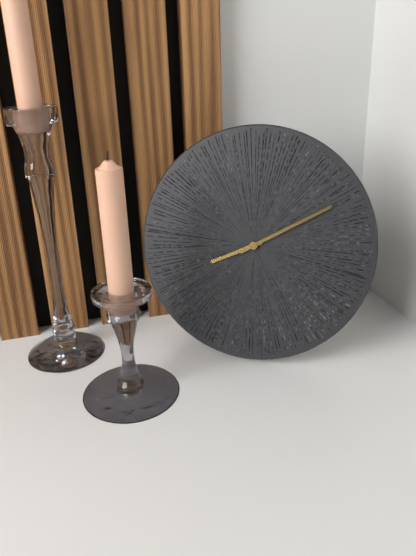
8:10
